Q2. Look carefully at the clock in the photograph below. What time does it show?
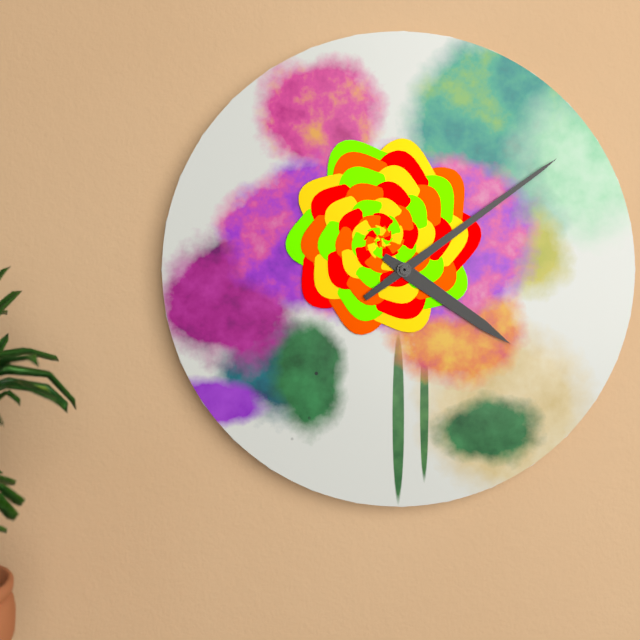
4:09
